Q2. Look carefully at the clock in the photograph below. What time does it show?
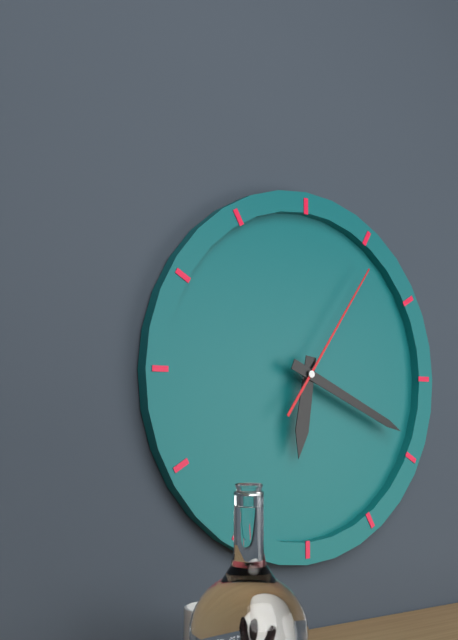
6:19:06
